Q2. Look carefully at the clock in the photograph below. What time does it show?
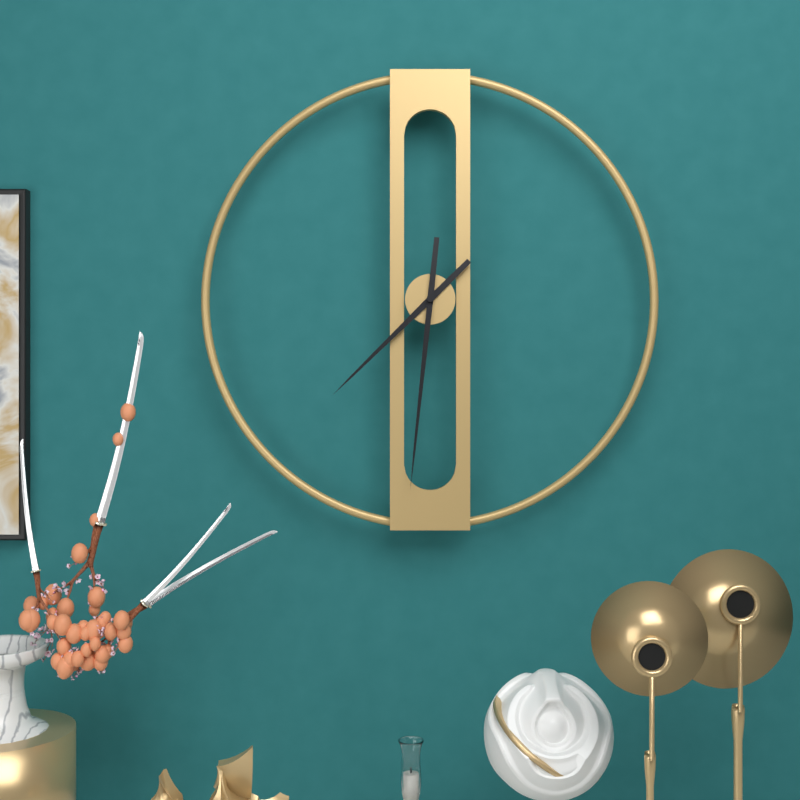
7:31
